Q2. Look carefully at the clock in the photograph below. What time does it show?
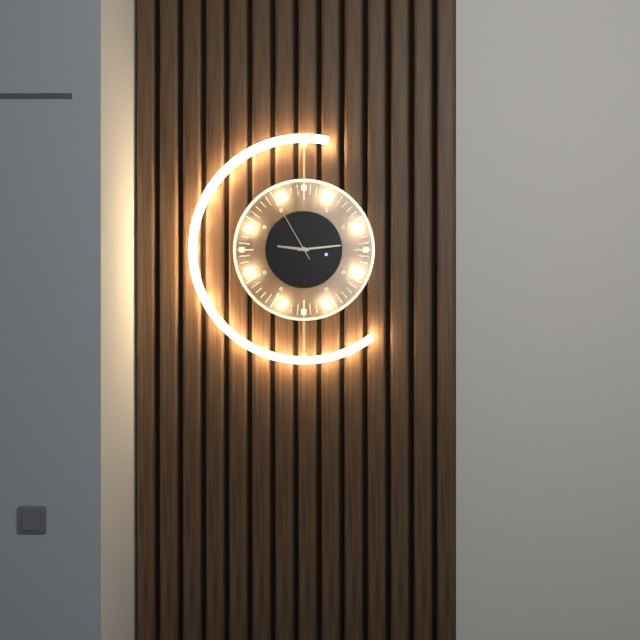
9:14:55
